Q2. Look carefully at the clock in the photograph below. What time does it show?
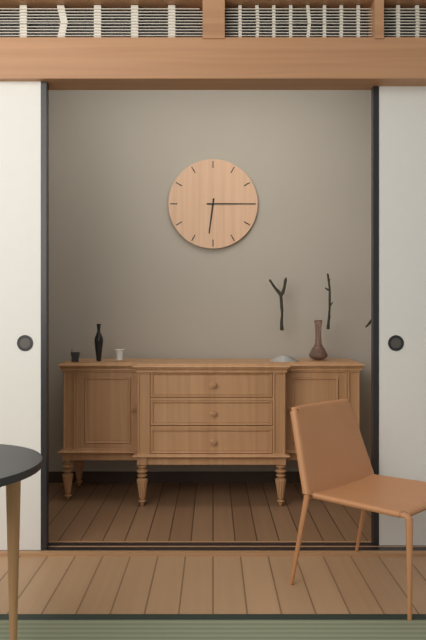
6:15
